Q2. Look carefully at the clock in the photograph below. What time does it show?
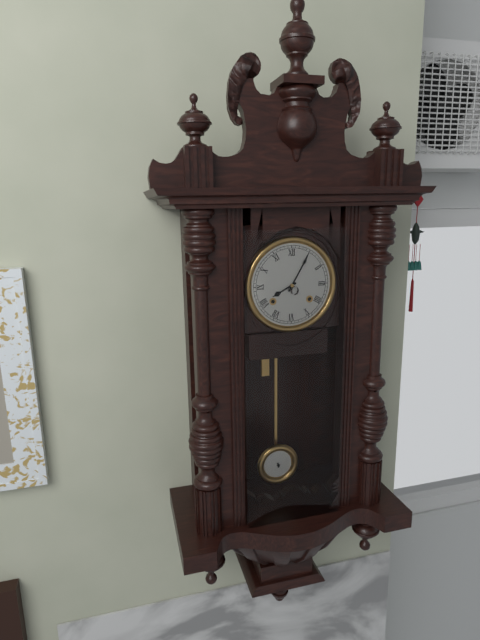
8:05
